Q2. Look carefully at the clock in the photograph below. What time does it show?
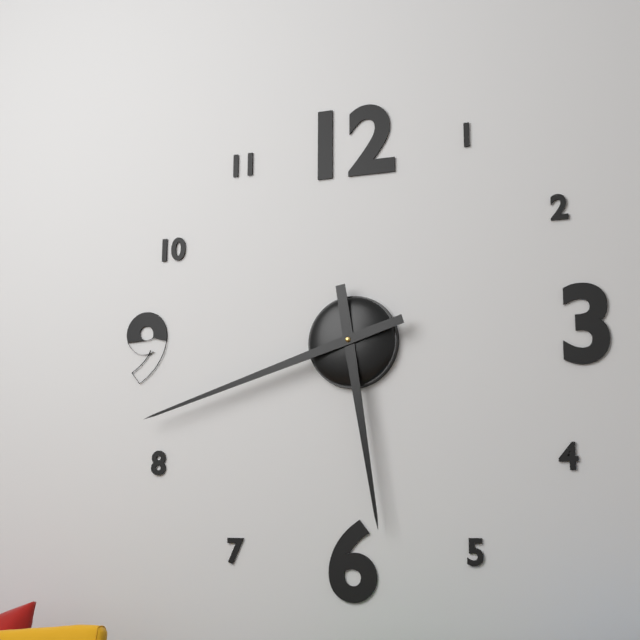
5:42
